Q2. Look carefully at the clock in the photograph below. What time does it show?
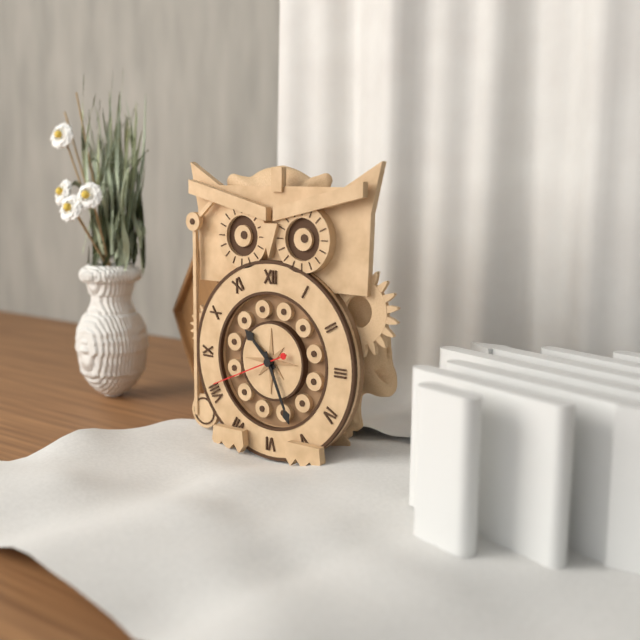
10:26:41
